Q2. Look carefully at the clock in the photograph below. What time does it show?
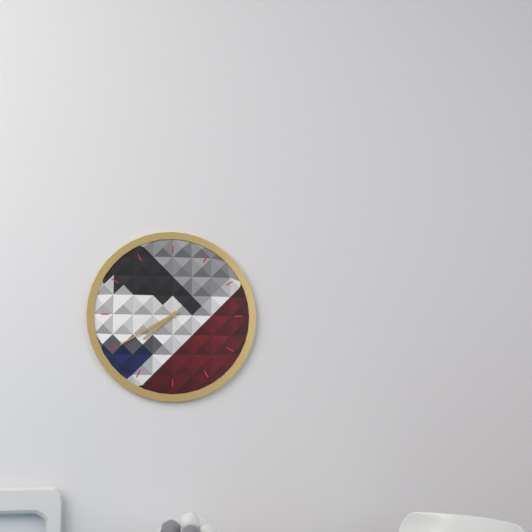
7:40
